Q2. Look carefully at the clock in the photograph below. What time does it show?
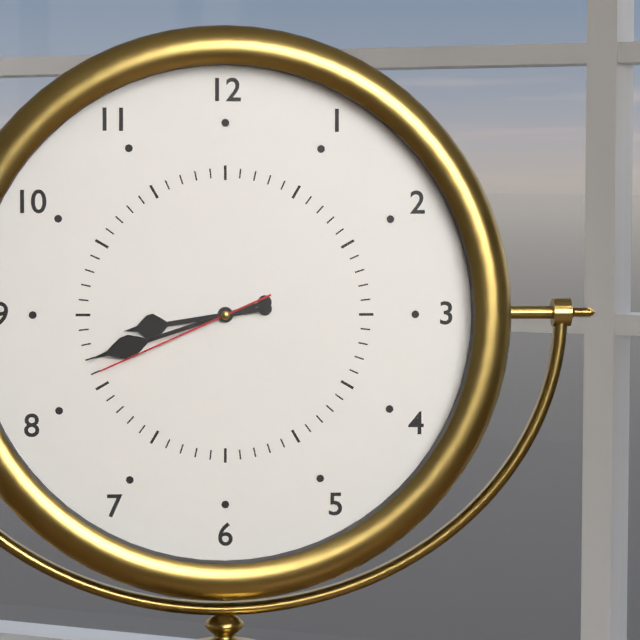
8:42:41
